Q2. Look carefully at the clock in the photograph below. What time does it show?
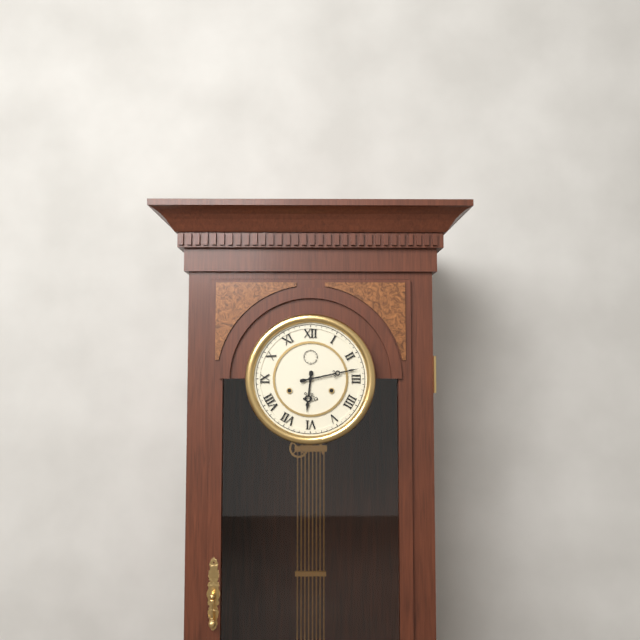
6:13
